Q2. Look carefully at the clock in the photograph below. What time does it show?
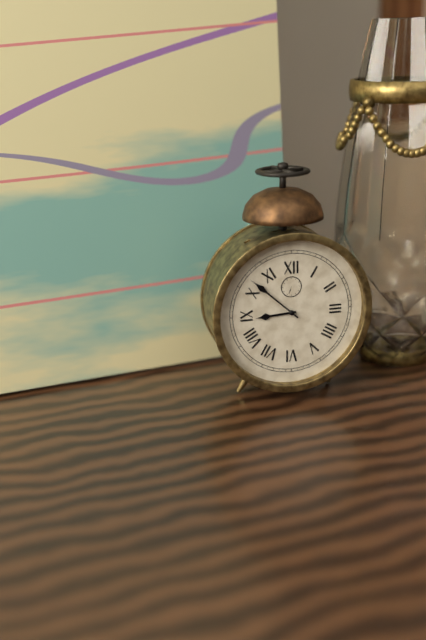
8:52
